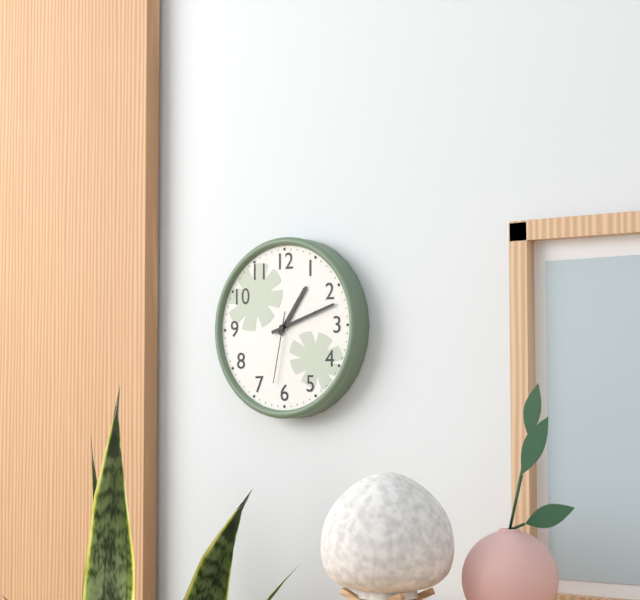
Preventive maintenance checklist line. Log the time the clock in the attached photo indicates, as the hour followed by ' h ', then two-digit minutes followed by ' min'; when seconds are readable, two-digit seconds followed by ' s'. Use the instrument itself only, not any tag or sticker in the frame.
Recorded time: 1 h 12 min 32 s
